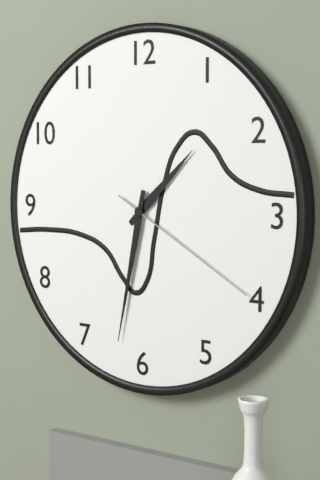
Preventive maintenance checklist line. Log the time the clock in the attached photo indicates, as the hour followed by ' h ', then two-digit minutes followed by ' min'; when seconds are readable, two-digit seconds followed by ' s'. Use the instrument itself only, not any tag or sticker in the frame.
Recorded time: 1 h 32 min 20 s
